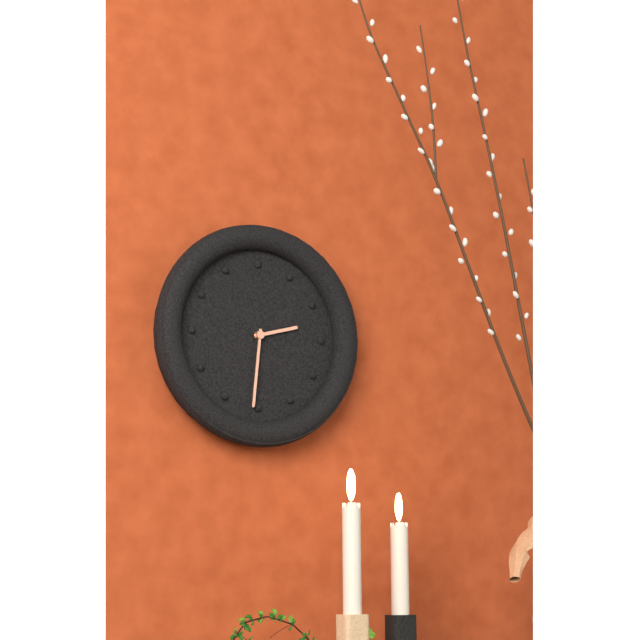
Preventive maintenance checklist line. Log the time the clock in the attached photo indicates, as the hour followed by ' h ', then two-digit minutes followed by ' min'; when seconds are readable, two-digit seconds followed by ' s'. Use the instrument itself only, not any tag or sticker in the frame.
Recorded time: 2 h 31 min
